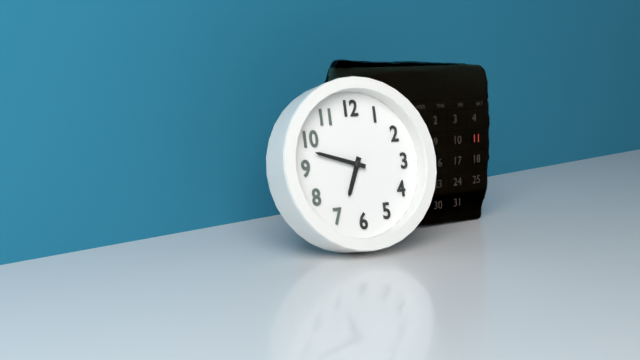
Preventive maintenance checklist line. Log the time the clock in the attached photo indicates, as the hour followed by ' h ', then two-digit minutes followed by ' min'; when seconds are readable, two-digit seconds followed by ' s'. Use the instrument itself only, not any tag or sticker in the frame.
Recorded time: 6 h 48 min
